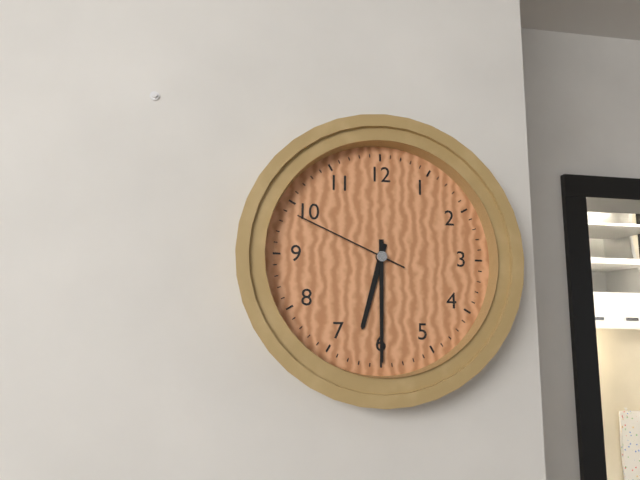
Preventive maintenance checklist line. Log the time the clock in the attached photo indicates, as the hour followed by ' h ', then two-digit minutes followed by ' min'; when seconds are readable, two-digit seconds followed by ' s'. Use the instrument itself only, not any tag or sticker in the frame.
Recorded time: 6 h 30 min 49 s
